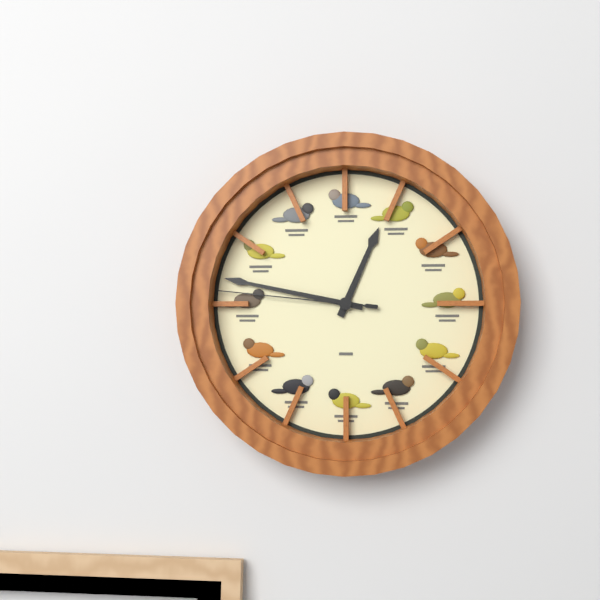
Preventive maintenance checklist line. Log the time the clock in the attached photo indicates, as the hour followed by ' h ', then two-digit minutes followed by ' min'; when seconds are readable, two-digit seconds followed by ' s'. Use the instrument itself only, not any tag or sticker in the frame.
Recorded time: 12 h 47 min 46 s
